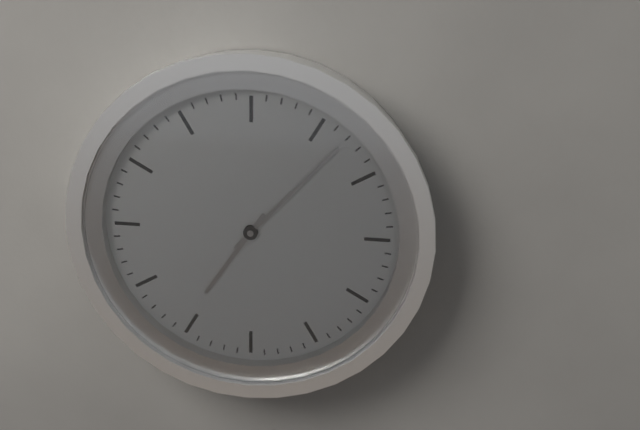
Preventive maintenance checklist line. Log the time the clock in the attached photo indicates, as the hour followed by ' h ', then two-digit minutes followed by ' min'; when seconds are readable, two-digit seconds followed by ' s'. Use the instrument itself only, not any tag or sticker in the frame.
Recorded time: 7 h 07 min
